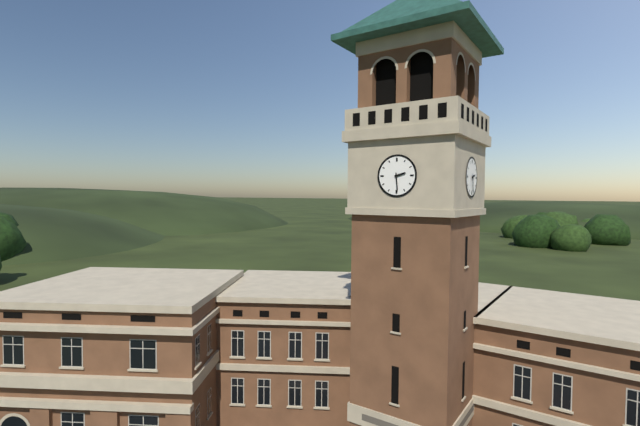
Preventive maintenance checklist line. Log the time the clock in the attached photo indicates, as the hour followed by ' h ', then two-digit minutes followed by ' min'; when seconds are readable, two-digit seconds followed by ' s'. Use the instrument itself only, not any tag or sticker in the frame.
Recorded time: 2 h 29 min
